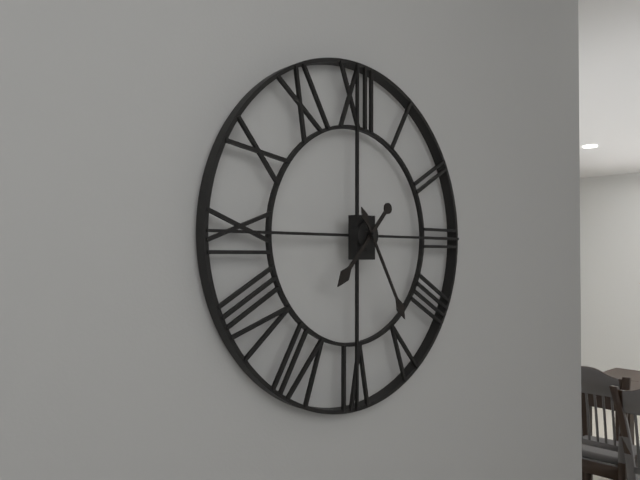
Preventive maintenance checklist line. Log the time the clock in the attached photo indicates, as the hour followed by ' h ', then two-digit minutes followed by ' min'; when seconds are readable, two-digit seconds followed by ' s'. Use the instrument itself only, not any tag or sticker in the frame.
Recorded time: 7 h 25 min
